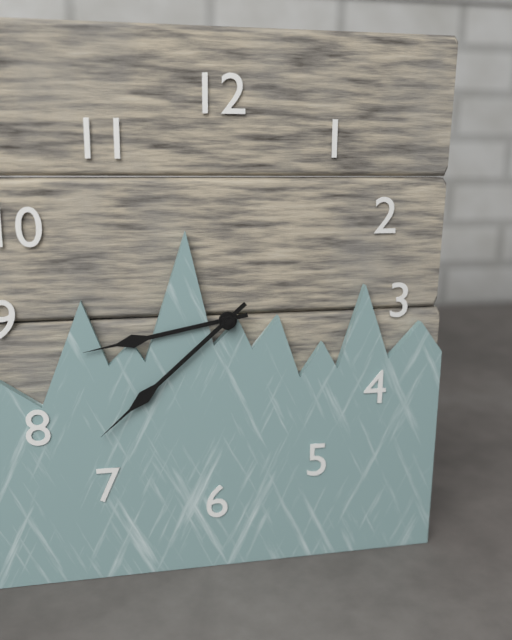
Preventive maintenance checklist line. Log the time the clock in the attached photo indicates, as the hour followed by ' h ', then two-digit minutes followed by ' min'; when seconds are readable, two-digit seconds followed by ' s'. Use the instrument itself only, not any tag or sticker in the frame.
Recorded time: 8 h 38 min
